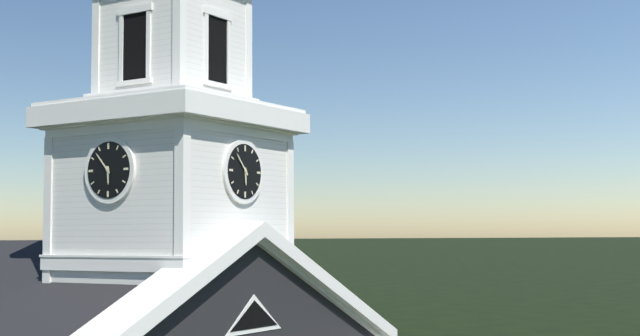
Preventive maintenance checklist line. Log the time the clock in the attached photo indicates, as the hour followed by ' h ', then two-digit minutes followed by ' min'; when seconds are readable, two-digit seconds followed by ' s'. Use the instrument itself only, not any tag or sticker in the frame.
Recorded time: 5 h 53 min
